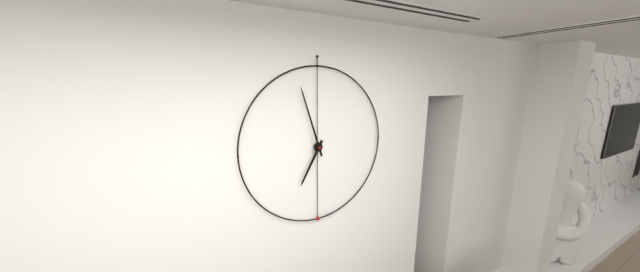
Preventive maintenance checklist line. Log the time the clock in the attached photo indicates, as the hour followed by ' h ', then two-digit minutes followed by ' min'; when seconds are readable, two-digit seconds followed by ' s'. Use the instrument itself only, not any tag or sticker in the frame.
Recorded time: 6 h 57 min
